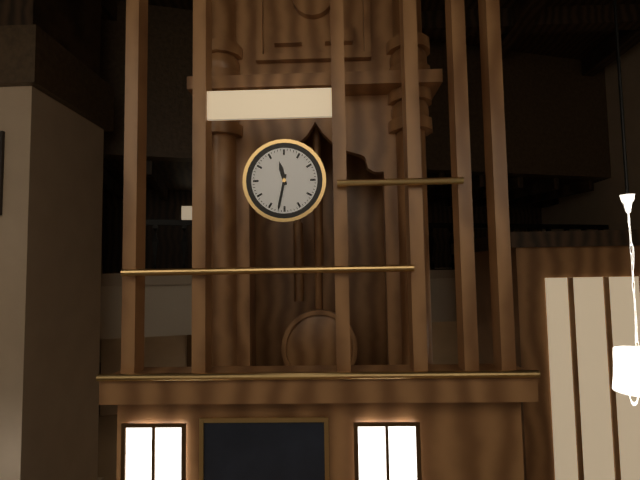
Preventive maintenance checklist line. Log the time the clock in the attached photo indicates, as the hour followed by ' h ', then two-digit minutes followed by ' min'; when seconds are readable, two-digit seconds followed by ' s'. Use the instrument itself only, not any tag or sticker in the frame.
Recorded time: 11 h 32 min
